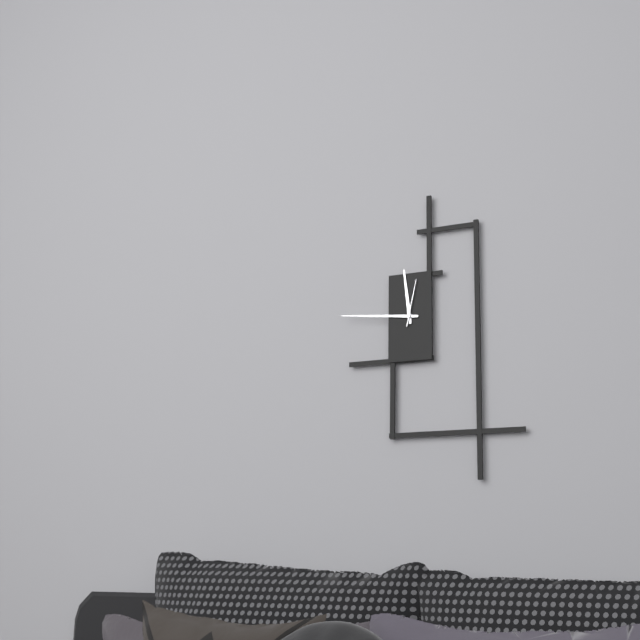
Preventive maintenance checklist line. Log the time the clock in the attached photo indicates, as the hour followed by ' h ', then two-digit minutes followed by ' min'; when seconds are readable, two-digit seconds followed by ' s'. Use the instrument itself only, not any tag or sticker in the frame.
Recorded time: 11 h 46 min
